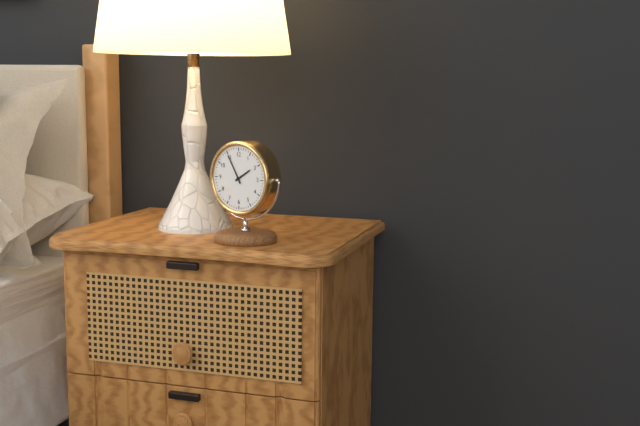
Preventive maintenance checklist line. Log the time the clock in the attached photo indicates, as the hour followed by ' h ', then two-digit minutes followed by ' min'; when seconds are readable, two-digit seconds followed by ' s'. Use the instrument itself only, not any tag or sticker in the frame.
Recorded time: 1 h 55 min
